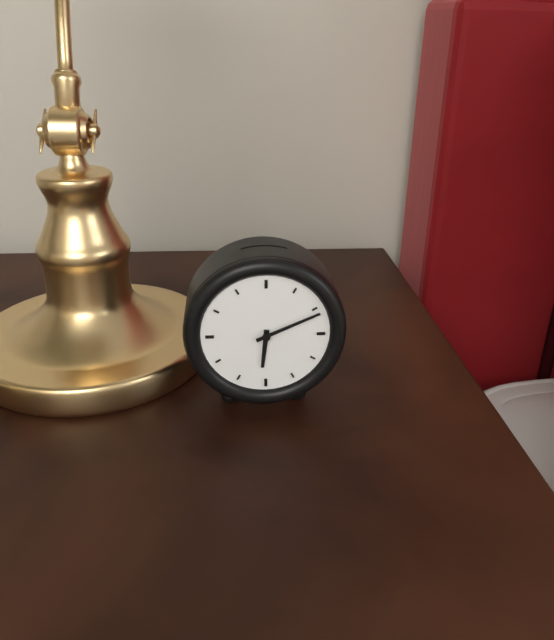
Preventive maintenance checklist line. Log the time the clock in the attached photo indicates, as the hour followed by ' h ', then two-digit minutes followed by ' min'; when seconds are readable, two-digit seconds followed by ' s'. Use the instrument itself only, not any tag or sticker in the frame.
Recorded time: 6 h 11 min
